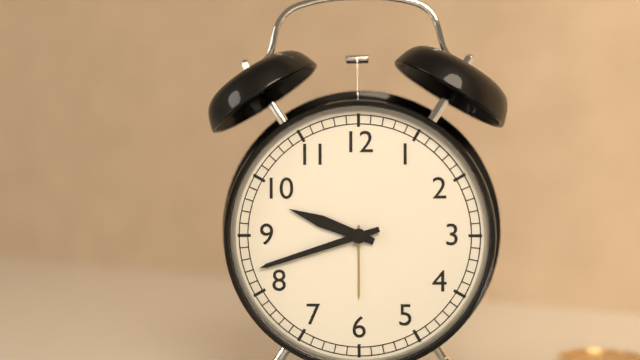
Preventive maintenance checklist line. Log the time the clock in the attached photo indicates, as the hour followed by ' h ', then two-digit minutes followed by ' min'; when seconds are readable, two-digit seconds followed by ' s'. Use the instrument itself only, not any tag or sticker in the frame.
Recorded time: 9 h 42 min
